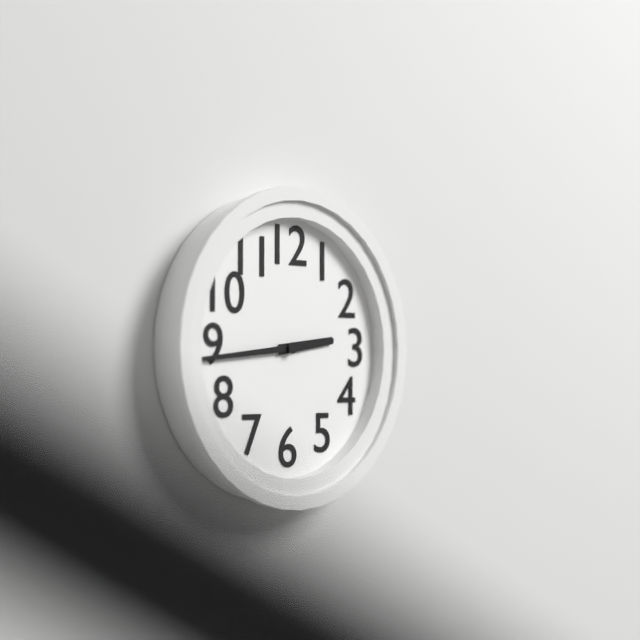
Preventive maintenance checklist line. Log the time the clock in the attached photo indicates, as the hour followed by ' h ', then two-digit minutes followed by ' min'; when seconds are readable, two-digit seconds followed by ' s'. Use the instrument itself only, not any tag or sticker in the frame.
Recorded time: 2 h 44 min
